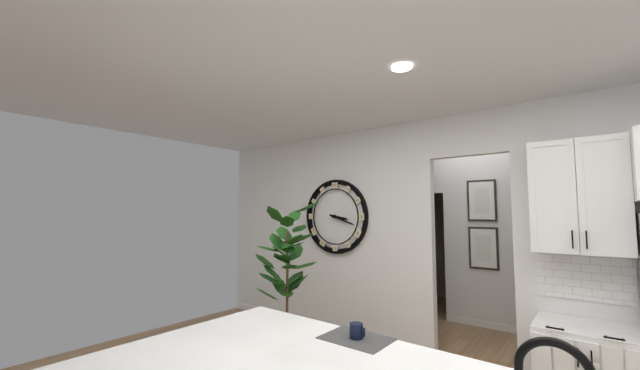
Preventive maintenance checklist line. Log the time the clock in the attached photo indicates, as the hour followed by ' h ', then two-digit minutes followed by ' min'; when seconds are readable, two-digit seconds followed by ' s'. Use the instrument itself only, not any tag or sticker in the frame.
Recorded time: 3 h 18 min
